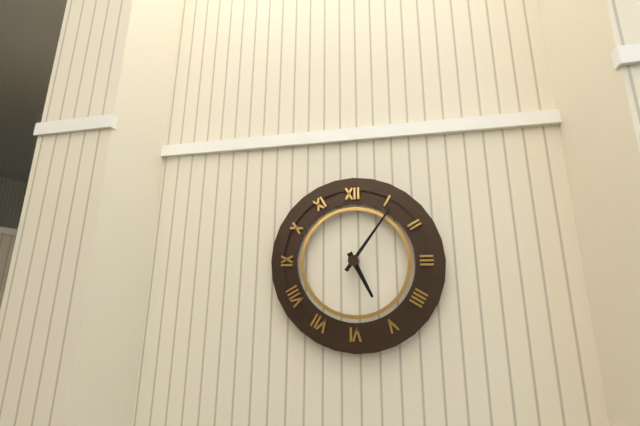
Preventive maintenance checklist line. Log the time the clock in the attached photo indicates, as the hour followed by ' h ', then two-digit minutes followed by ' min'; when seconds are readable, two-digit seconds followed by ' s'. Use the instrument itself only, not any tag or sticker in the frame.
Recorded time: 5 h 06 min
